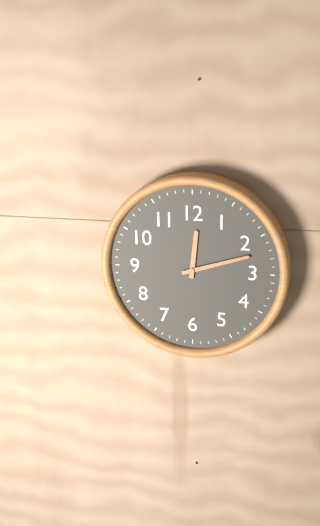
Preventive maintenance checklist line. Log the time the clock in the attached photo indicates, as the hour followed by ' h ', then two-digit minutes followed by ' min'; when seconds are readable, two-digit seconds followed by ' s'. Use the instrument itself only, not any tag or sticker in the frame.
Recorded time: 12 h 12 min
